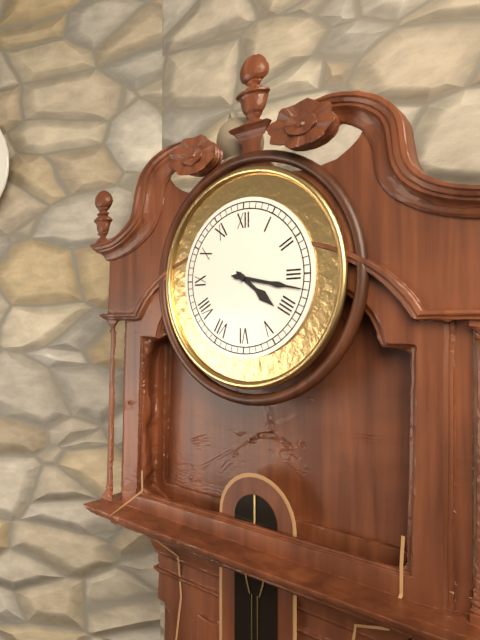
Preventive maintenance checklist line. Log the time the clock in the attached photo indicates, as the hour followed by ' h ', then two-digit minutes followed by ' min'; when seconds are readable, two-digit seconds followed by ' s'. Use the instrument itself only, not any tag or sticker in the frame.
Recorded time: 4 h 17 min
